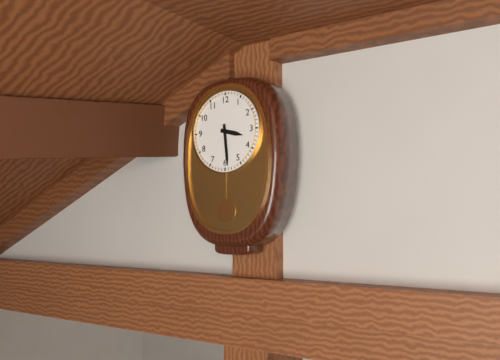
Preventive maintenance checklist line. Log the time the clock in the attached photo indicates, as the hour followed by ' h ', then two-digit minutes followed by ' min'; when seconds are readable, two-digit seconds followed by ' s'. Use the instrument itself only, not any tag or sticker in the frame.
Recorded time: 3 h 29 min
